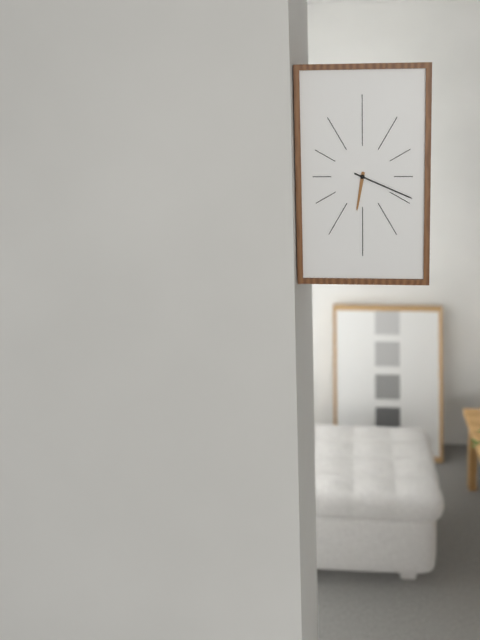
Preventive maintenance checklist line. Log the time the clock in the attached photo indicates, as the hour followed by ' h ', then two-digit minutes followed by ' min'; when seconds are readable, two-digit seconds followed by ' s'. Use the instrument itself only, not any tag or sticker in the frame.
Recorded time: 6 h 19 min
